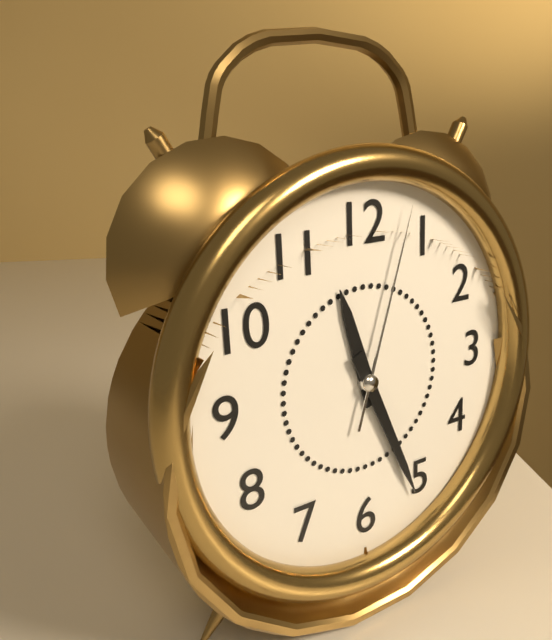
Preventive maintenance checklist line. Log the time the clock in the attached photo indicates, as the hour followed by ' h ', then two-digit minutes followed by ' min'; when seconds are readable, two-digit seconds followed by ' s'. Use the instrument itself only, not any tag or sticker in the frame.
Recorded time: 11 h 26 min 03 s
